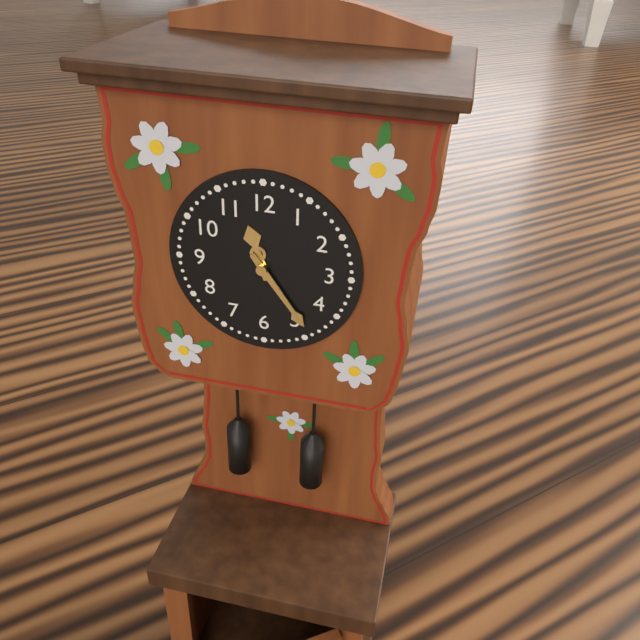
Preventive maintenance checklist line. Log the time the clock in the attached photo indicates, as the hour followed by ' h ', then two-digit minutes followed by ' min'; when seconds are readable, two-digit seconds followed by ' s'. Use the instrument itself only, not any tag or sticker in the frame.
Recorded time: 11 h 24 min
